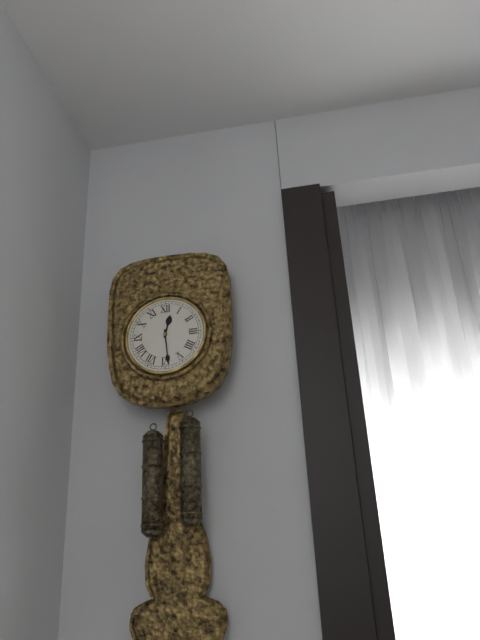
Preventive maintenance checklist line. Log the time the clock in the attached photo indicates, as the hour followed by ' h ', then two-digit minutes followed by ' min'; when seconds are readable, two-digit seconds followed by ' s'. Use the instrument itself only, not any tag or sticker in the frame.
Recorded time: 12 h 29 min
